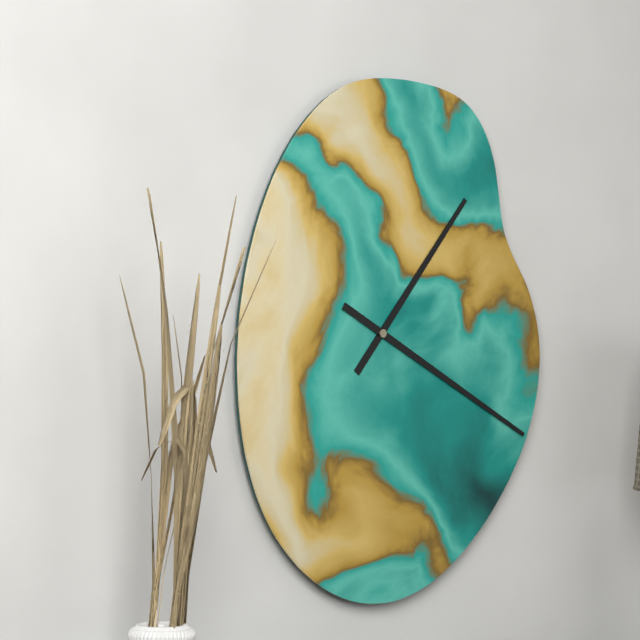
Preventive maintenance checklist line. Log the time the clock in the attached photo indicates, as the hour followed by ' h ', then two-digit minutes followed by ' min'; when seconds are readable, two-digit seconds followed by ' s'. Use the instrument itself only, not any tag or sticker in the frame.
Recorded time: 1 h 20 min
